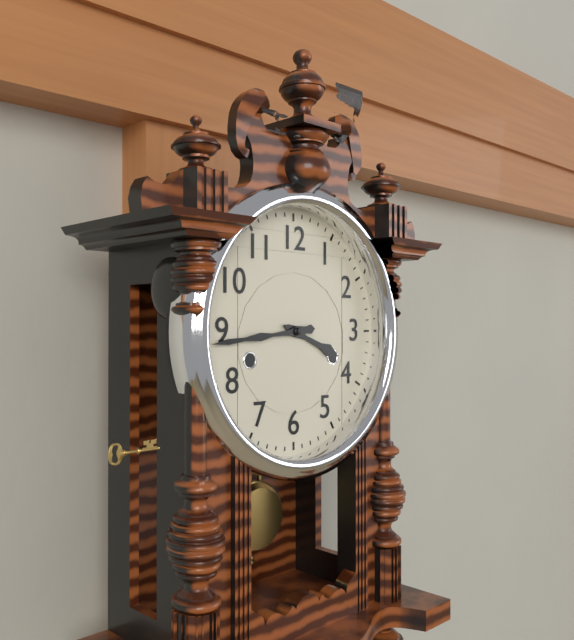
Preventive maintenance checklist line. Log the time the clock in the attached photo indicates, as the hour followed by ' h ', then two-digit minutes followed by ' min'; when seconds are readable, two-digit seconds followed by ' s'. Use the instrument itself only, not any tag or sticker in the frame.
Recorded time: 3 h 44 min
